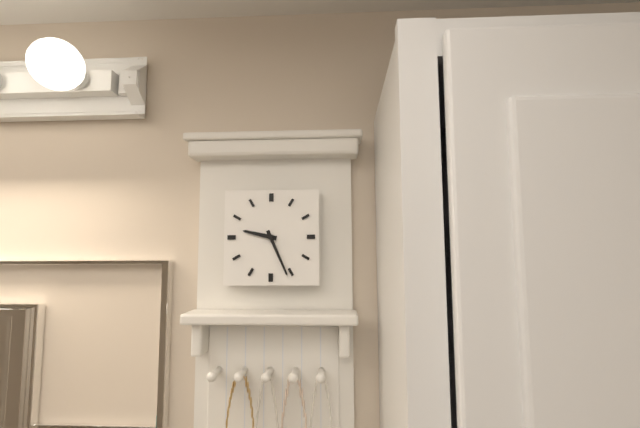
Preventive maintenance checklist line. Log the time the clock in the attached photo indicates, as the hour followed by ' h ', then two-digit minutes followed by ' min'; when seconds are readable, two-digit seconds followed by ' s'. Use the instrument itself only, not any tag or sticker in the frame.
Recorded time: 9 h 26 min
